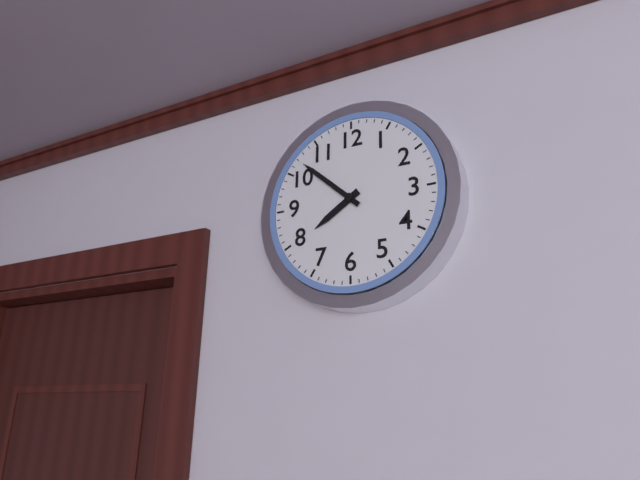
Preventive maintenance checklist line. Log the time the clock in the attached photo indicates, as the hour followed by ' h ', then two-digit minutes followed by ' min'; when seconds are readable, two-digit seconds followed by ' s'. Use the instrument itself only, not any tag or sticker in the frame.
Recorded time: 7 h 52 min
